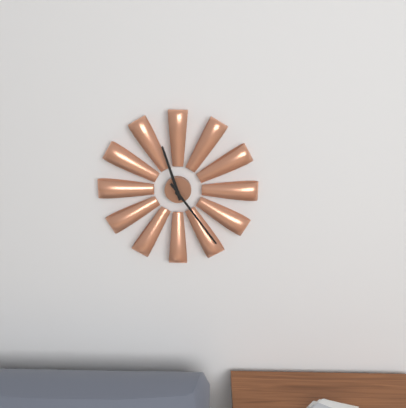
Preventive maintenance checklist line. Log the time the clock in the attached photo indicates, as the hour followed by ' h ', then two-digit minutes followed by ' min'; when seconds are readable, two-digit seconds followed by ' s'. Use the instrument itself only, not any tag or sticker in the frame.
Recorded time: 11 h 24 min
